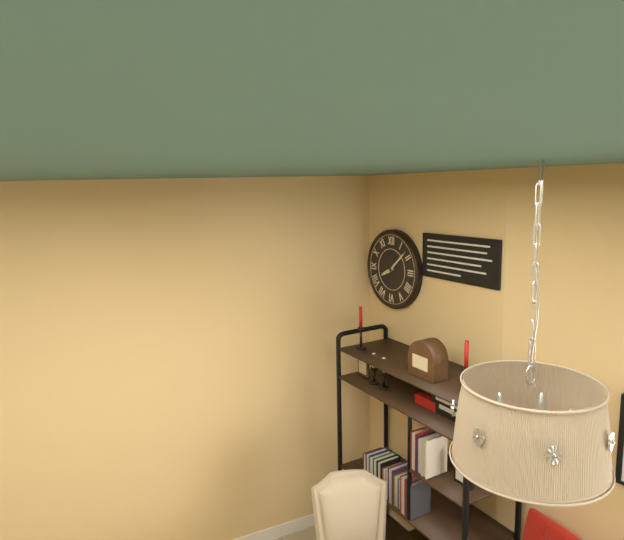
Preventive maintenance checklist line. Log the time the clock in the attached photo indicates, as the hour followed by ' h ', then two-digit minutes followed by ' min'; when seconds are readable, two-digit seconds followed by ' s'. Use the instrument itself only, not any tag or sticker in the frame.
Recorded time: 8 h 08 min
